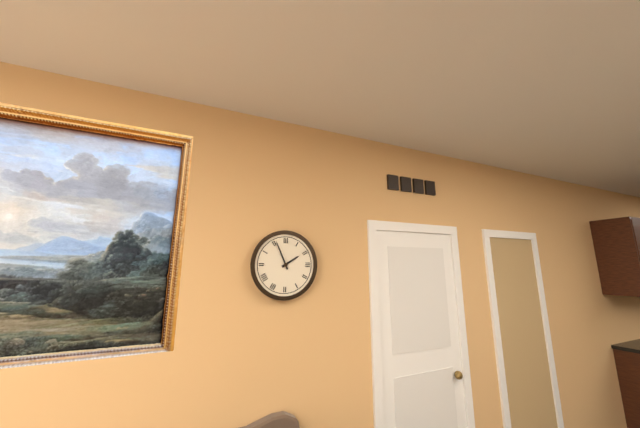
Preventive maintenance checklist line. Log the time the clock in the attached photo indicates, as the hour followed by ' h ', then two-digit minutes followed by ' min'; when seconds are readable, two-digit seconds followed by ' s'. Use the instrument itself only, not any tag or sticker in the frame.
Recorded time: 1 h 56 min
